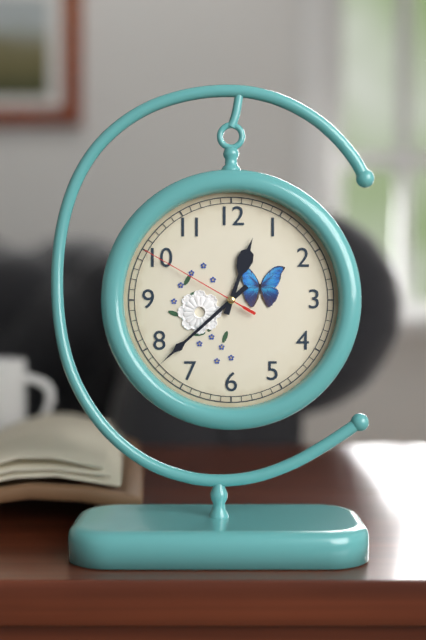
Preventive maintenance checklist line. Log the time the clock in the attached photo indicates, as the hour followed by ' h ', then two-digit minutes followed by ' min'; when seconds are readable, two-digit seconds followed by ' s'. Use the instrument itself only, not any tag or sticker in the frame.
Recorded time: 12 h 38 min 50 s
